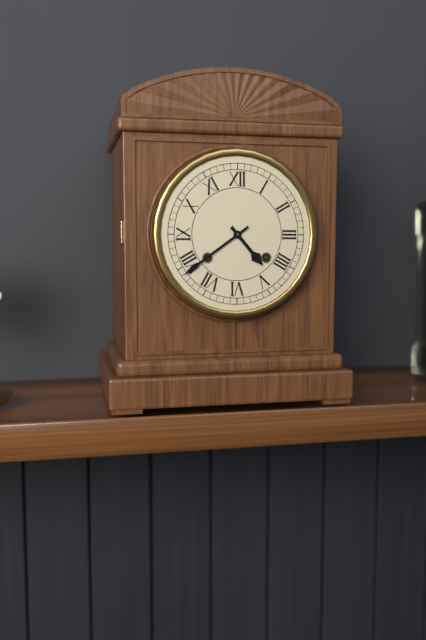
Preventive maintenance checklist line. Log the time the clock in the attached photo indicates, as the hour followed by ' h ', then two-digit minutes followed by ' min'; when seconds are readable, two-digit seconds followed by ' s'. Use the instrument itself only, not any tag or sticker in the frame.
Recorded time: 4 h 39 min
